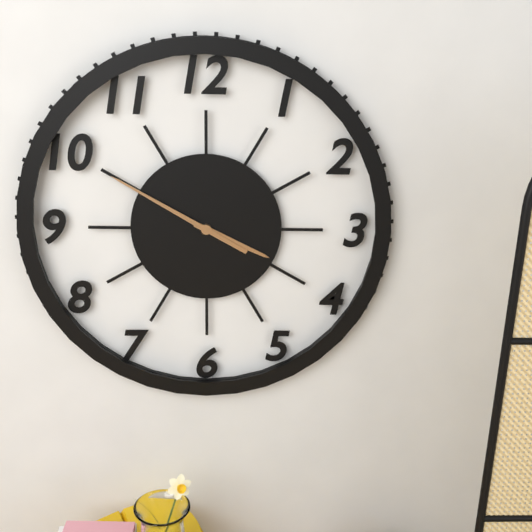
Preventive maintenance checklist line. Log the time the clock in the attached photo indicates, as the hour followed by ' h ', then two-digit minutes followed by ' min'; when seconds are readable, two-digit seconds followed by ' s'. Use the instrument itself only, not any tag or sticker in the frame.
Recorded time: 3 h 50 min
